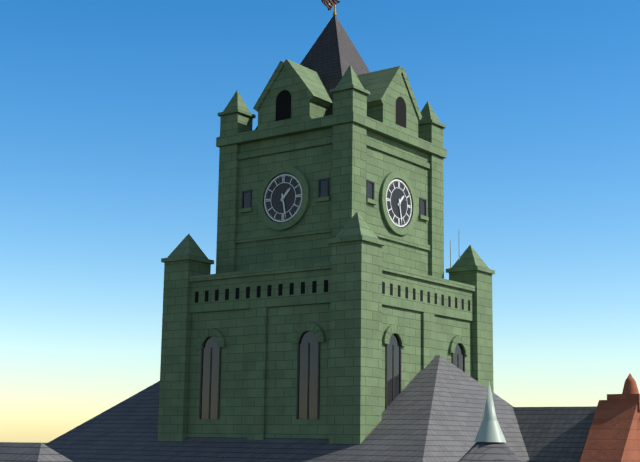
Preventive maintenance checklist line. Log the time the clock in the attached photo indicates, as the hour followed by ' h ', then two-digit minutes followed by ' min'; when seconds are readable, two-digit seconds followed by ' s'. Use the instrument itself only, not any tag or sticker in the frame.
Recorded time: 1 h 28 min
